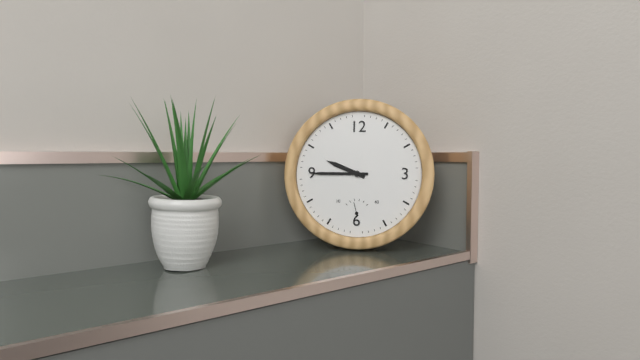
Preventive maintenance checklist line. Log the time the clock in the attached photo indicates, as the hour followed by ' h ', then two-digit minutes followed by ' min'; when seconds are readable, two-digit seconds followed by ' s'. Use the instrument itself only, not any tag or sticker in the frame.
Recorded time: 9 h 45 min
